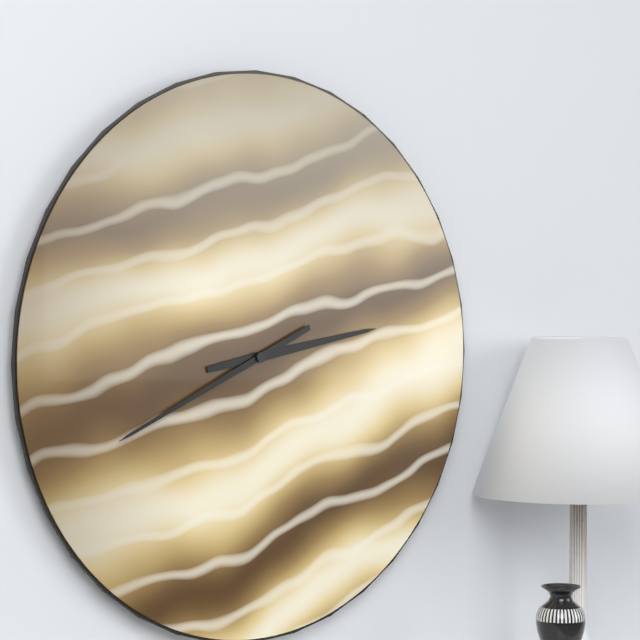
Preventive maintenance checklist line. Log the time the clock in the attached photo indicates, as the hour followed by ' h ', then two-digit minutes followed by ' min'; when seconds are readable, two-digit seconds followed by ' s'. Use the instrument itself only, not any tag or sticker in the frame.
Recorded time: 2 h 41 min
